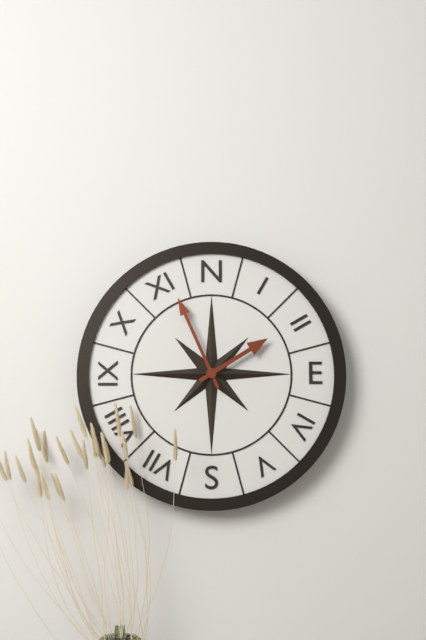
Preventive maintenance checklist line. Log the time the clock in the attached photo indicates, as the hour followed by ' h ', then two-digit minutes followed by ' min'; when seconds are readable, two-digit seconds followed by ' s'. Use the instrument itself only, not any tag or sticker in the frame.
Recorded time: 1 h 56 min
